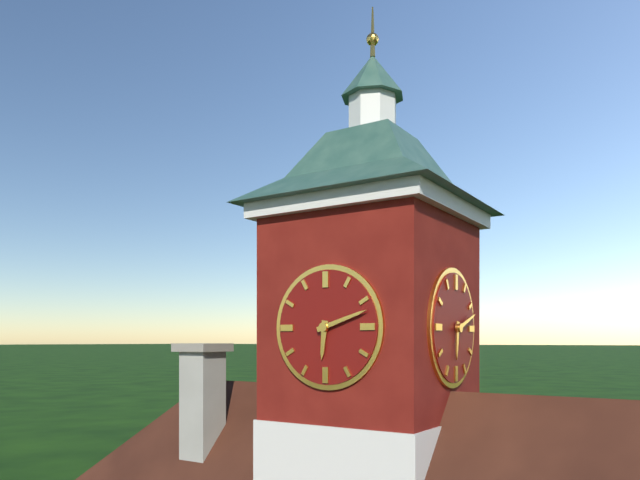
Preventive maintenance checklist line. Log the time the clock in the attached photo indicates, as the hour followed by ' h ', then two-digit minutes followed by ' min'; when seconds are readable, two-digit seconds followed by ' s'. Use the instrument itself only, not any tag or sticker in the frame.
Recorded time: 6 h 12 min
